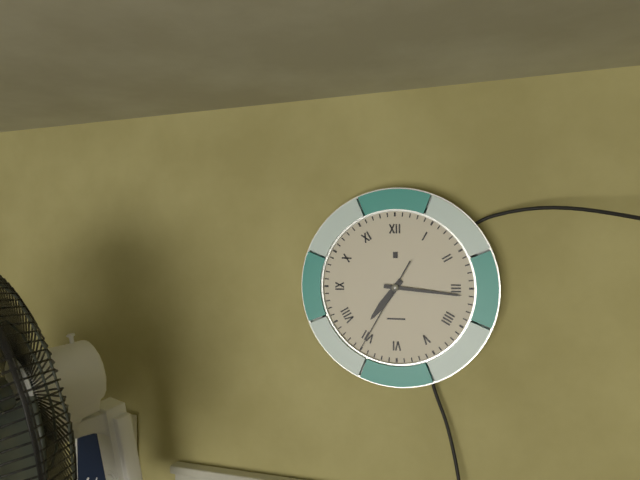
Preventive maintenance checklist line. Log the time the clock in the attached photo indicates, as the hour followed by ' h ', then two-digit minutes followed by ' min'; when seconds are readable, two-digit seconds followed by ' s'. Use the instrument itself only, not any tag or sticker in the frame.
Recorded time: 7 h 16 min 35 s
